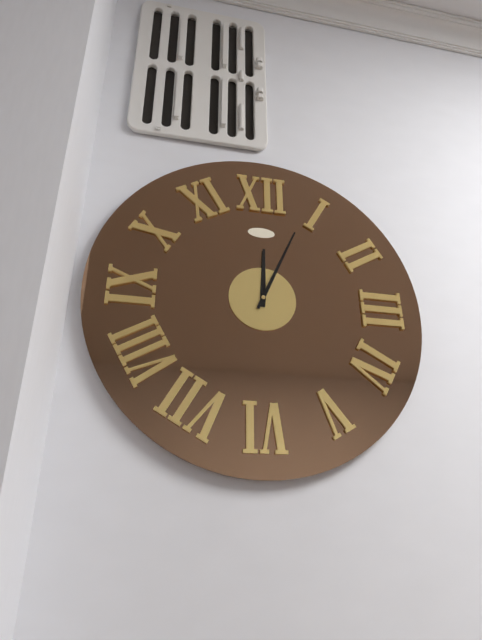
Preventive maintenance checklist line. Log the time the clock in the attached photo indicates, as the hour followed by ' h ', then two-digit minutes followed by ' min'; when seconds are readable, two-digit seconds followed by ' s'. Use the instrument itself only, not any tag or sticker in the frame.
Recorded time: 12 h 04 min
